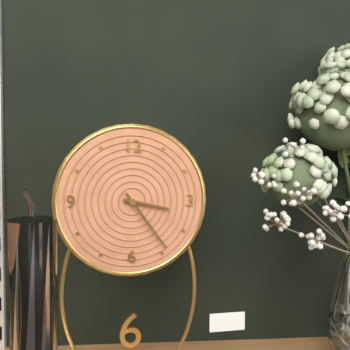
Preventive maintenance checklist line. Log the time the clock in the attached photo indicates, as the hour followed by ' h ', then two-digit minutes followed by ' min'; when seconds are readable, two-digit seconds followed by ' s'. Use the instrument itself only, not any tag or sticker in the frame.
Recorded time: 3 h 24 min
